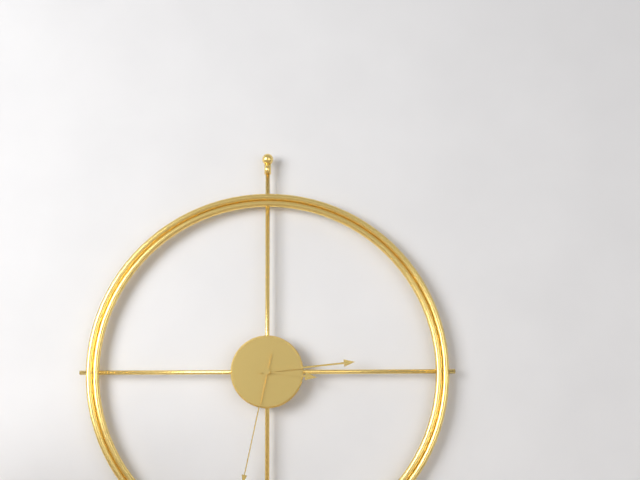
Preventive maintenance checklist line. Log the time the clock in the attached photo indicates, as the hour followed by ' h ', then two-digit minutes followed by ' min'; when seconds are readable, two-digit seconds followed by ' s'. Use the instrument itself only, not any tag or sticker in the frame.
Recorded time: 3 h 14 min
